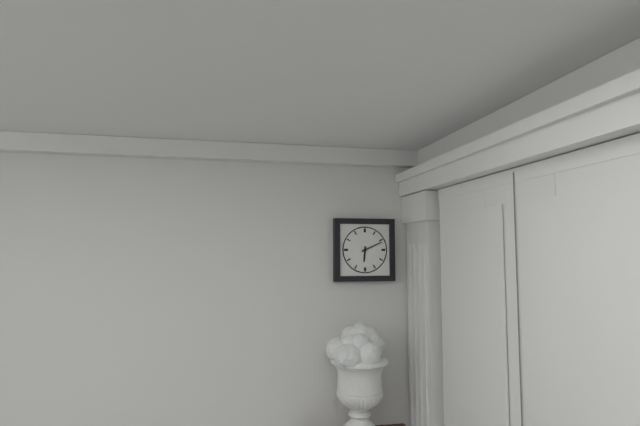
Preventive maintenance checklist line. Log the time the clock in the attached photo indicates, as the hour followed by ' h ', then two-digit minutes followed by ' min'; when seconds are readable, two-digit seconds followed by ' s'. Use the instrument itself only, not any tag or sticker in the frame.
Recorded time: 6 h 11 min
